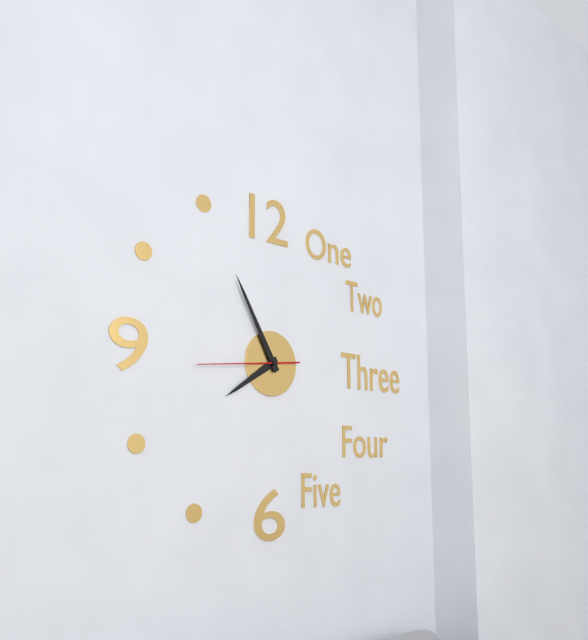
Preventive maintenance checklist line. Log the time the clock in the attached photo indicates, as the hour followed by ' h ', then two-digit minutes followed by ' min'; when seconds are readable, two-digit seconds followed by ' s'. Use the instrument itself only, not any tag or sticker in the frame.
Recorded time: 7 h 55 min 44 s
